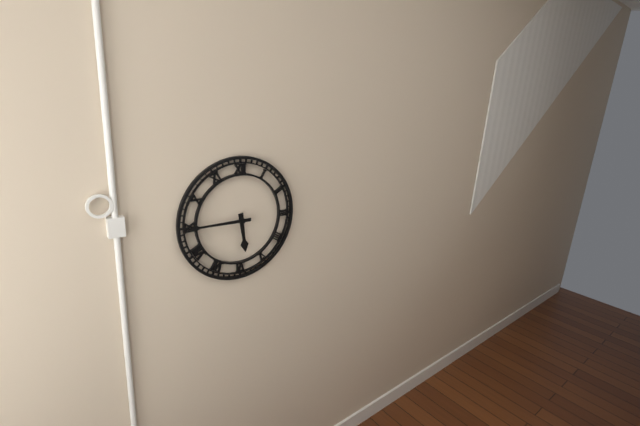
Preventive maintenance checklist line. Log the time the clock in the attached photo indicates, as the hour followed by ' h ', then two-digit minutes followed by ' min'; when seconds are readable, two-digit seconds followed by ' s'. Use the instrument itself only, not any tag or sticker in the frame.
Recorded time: 5 h 45 min
